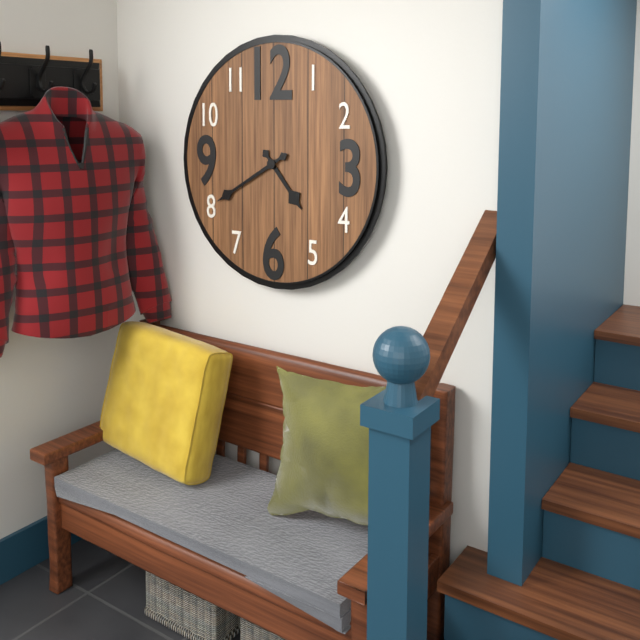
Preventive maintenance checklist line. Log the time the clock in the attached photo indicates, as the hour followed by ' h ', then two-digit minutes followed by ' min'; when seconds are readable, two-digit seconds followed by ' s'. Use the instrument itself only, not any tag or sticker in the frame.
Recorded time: 4 h 40 min
